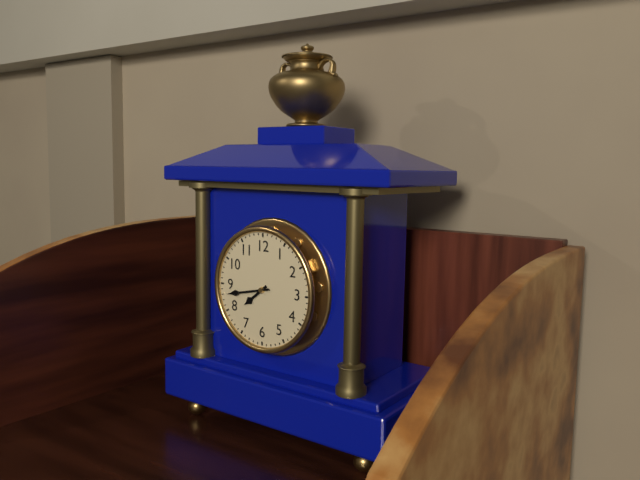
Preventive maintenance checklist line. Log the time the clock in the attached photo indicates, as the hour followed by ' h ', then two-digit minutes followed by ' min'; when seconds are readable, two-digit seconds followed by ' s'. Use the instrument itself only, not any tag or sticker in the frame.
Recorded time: 7 h 43 min
